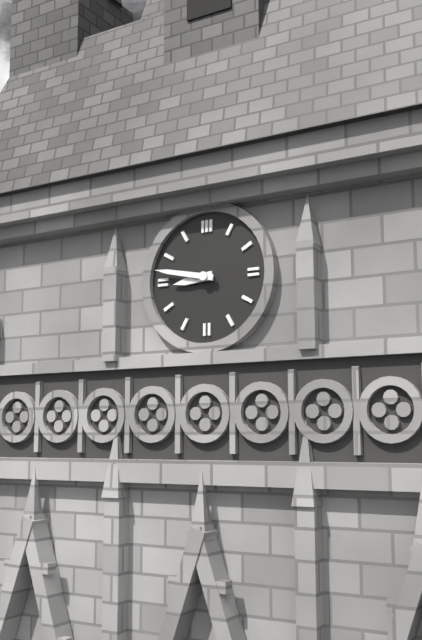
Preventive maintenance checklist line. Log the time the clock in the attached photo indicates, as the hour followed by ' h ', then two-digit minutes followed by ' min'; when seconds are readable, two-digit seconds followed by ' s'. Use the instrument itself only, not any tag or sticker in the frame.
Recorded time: 8 h 47 min
